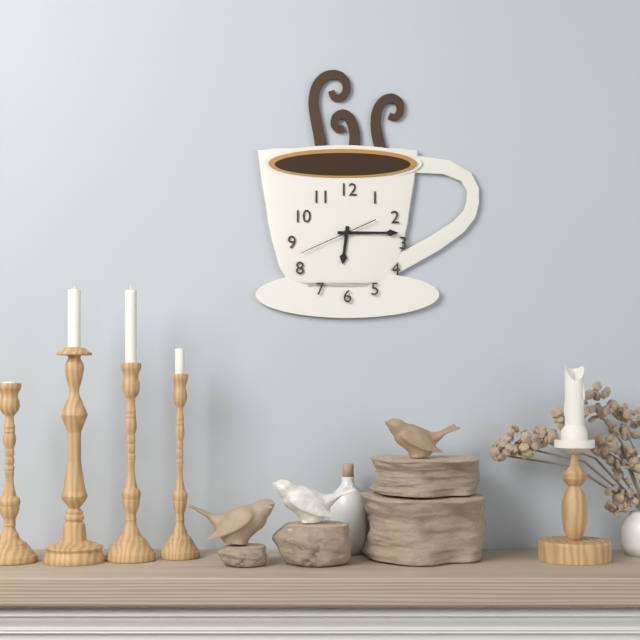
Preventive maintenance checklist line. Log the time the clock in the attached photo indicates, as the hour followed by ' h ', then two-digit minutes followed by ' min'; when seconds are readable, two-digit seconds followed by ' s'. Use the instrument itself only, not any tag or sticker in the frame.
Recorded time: 6 h 15 min 41 s
